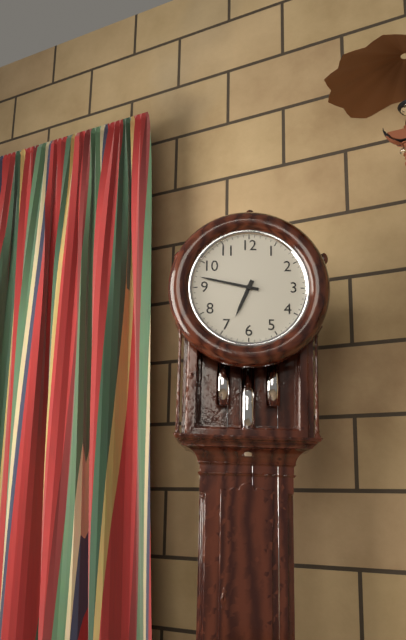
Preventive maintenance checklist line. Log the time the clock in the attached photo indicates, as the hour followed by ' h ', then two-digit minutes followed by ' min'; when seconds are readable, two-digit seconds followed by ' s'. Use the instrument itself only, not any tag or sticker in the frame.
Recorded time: 6 h 47 min
